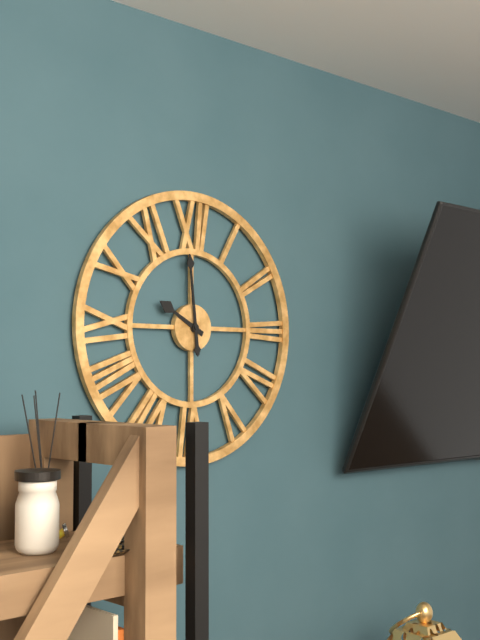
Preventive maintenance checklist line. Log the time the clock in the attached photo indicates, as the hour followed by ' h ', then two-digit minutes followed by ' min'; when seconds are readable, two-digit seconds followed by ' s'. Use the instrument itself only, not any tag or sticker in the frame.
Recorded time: 9 h 59 min
